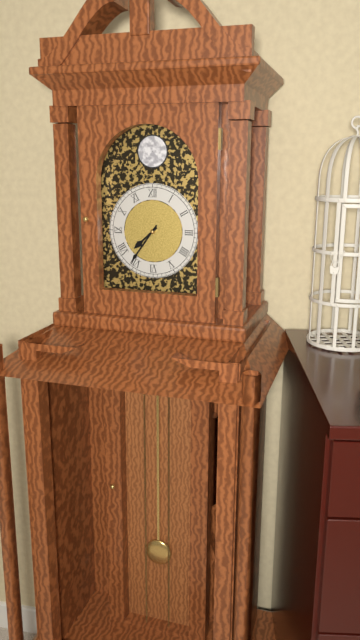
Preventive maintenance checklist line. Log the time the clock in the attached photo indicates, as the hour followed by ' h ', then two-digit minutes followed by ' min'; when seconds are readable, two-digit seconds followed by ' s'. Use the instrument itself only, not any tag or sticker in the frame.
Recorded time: 7 h 36 min
